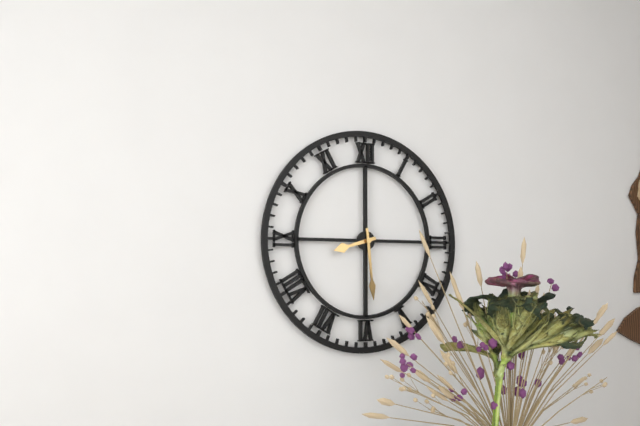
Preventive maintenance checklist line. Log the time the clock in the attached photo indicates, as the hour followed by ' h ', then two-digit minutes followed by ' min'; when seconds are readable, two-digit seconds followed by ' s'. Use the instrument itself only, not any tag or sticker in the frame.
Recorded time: 8 h 29 min
